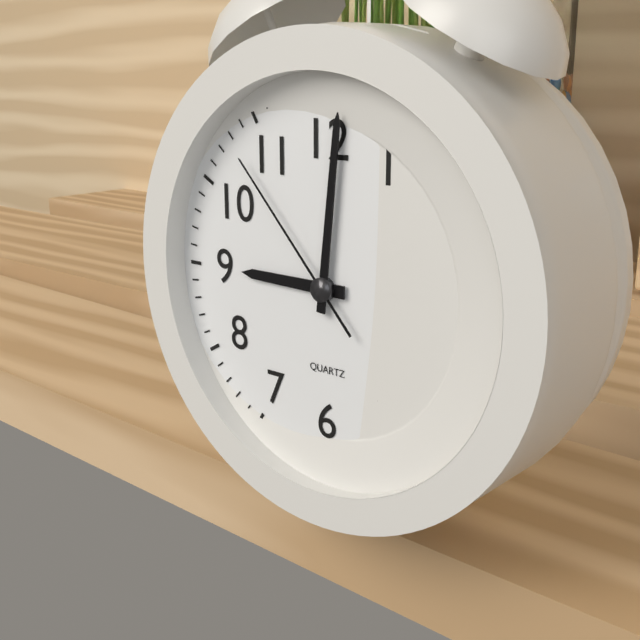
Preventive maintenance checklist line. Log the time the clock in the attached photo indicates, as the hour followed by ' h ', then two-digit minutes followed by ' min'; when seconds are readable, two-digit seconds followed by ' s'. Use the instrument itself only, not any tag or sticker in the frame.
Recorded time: 9 h 01 min 53 s
